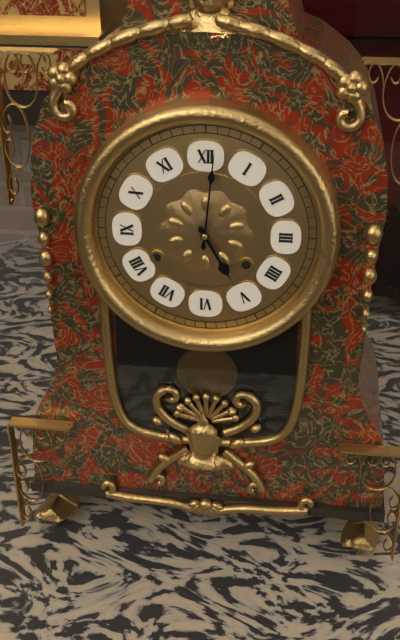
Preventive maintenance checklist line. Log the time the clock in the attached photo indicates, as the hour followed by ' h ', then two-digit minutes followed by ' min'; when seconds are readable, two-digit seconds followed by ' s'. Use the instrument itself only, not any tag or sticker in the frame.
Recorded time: 5 h 01 min
